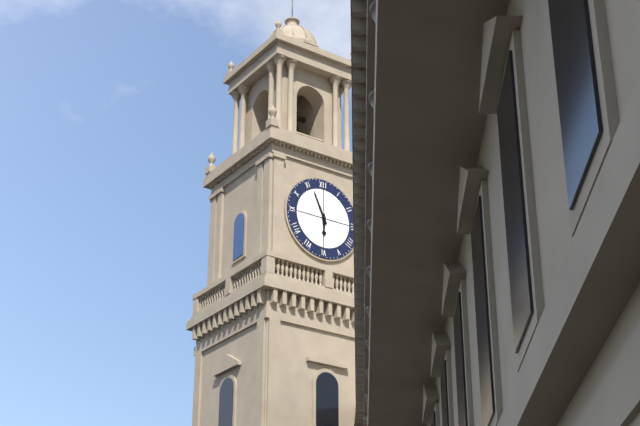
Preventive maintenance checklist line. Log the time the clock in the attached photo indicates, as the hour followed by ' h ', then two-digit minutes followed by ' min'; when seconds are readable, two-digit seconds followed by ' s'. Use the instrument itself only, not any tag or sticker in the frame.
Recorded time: 5 h 56 min
